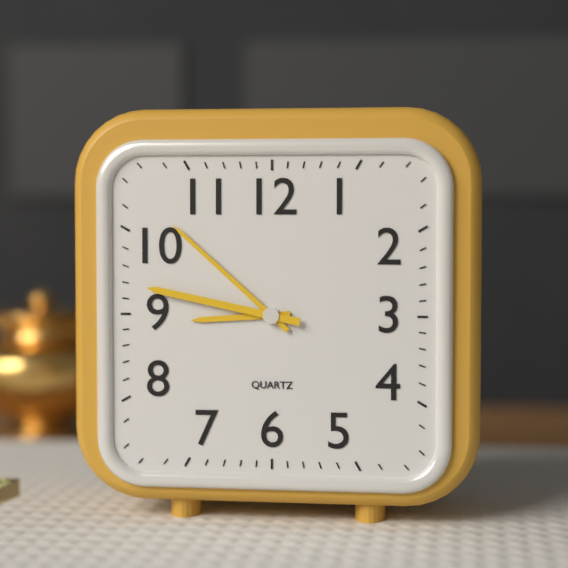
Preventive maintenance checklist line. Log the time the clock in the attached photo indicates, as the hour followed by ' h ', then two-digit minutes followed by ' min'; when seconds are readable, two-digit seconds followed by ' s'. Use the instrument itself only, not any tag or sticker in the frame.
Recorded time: 8 h 52 min 47 s
